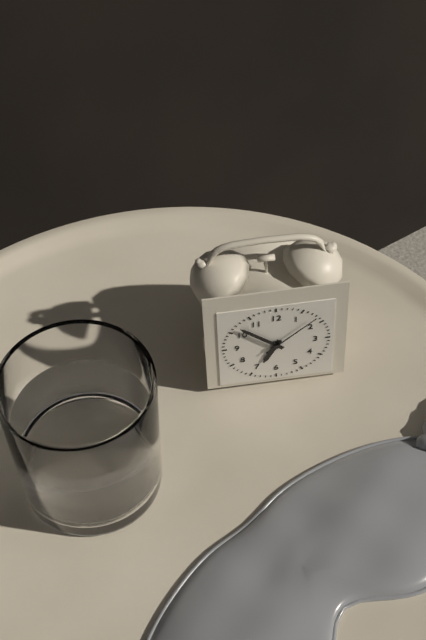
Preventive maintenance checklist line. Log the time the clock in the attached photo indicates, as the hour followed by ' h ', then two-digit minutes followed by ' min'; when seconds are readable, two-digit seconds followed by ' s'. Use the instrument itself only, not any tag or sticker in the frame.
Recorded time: 6 h 52 min 08 s
